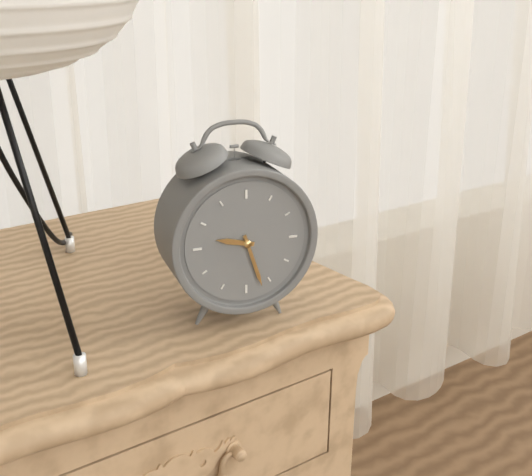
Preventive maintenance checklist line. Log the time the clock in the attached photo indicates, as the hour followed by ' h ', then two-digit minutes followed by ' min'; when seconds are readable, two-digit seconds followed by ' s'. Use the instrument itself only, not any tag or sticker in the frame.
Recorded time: 9 h 27 min
